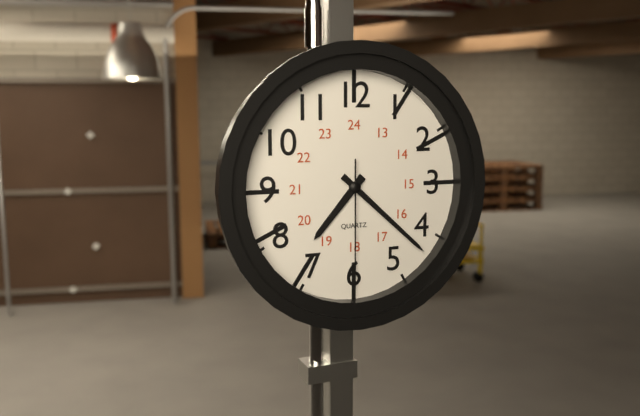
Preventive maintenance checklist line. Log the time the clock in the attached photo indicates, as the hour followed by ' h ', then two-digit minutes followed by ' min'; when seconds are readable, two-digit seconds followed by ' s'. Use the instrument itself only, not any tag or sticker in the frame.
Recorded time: 7 h 22 min 30 s
